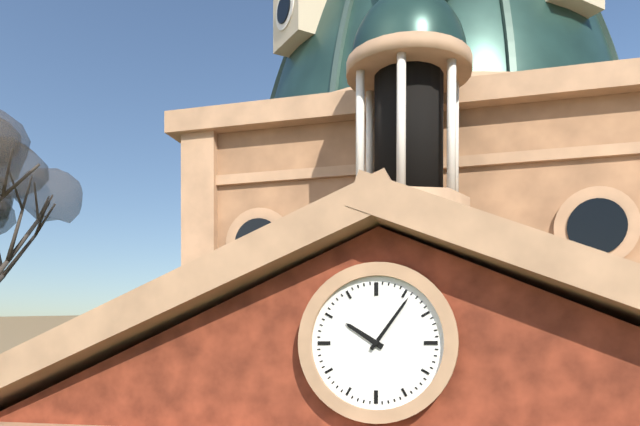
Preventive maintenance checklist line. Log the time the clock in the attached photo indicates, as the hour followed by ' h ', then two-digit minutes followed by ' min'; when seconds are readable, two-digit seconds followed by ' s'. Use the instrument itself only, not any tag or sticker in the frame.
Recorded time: 10 h 06 min
